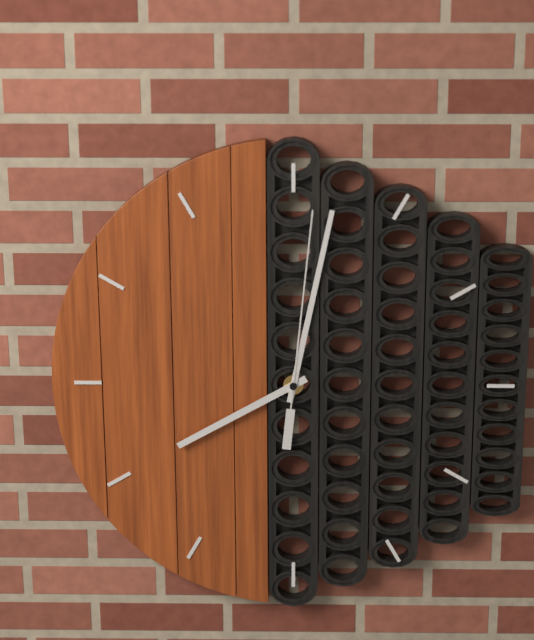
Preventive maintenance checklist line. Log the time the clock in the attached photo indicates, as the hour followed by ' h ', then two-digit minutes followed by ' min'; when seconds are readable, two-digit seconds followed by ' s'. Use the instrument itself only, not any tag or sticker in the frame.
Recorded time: 8 h 02 min 01 s
